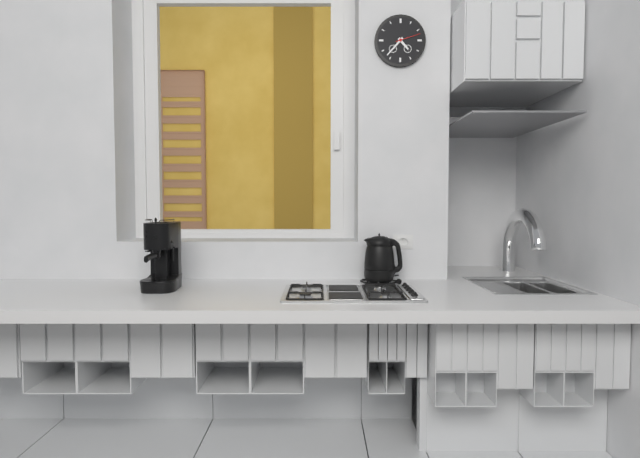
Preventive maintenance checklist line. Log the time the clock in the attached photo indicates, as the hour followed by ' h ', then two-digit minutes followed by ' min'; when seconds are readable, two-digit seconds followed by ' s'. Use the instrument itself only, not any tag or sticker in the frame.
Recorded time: 4 h 37 min
